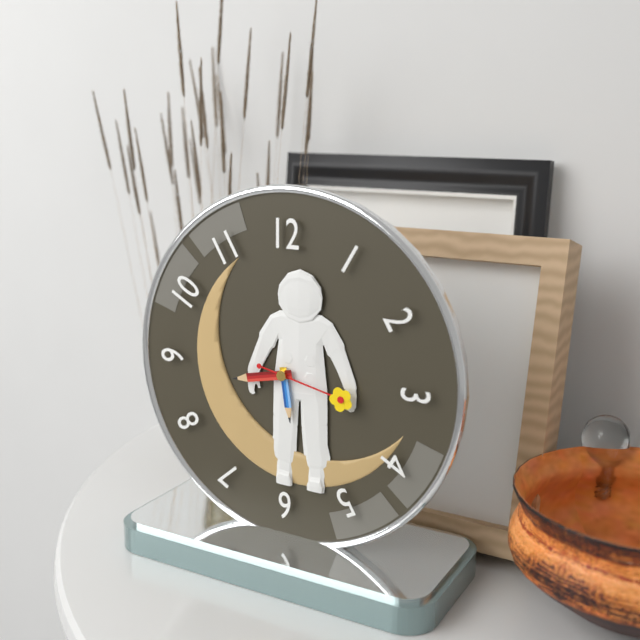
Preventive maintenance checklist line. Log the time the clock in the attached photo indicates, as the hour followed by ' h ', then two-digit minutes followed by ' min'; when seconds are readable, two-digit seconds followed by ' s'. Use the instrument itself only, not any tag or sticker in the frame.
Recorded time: 5 h 43 min 17 s
